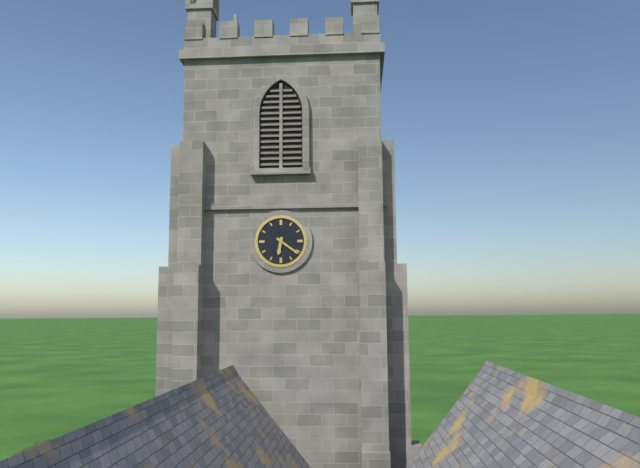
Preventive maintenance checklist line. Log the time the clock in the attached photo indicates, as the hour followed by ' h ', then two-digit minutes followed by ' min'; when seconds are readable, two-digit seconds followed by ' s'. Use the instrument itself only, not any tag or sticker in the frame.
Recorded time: 6 h 21 min
